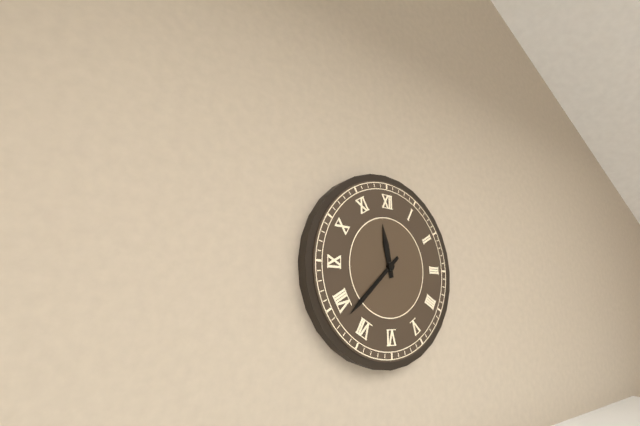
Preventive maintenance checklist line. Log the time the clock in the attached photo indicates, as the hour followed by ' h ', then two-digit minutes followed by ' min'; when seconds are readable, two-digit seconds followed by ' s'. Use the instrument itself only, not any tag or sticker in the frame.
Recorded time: 11 h 38 min
